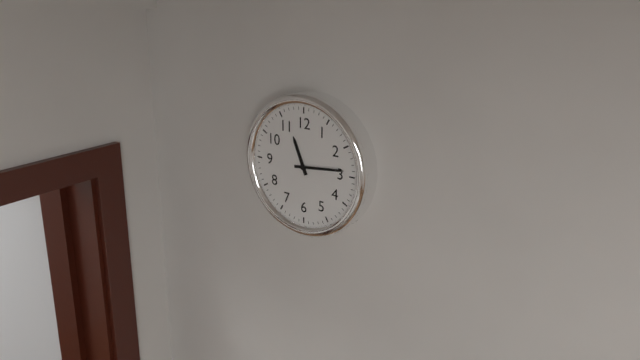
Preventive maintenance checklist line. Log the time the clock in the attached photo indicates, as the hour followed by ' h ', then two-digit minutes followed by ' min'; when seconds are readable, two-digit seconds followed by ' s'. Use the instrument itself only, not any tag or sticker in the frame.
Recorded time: 11 h 14 min
